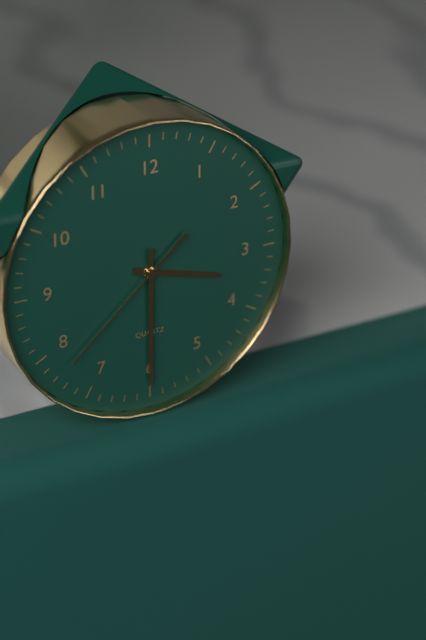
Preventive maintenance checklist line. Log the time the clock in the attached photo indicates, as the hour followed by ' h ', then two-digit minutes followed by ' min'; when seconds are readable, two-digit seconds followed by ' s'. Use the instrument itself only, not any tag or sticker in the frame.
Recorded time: 3 h 30 min 38 s
